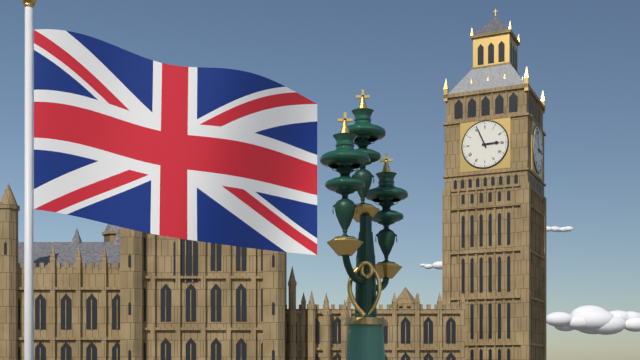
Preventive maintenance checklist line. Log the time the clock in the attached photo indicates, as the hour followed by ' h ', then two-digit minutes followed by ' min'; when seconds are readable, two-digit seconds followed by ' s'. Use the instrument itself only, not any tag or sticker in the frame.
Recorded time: 2 h 56 min
